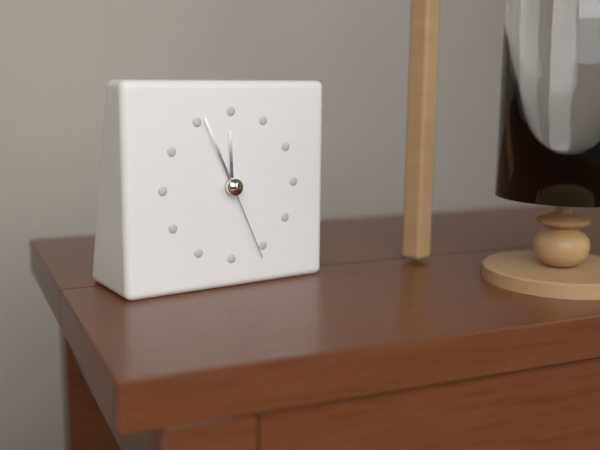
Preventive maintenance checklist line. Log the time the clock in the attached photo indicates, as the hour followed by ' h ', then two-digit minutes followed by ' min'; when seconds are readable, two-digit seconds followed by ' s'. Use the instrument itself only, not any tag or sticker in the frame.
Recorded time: 11 h 56 min 26 s
